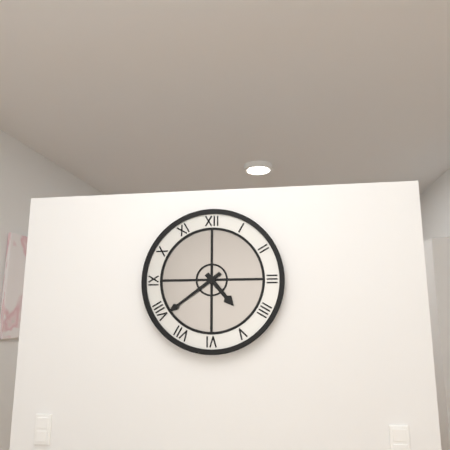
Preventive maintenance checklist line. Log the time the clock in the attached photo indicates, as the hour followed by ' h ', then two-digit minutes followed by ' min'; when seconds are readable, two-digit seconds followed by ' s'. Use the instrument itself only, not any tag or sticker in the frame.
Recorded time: 4 h 39 min
